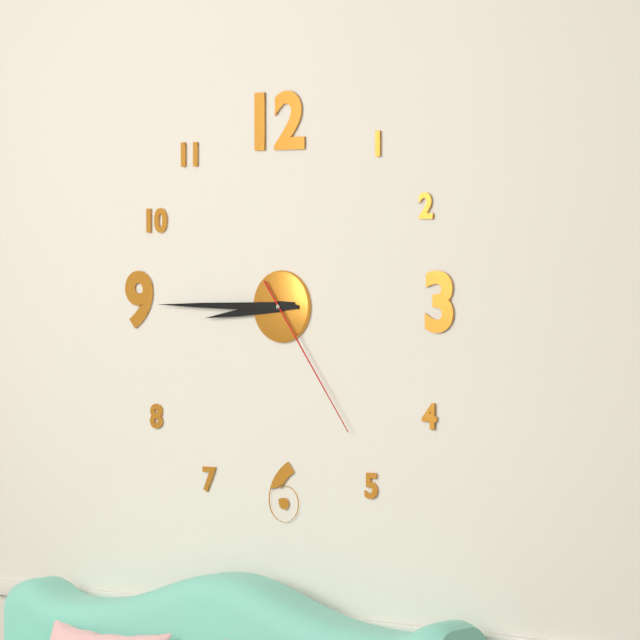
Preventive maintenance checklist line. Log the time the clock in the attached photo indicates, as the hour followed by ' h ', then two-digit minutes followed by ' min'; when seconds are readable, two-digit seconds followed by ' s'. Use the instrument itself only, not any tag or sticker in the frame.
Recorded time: 8 h 45 min 24 s
